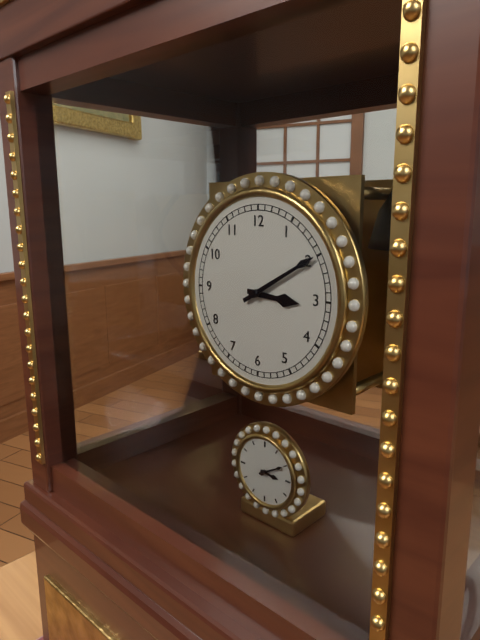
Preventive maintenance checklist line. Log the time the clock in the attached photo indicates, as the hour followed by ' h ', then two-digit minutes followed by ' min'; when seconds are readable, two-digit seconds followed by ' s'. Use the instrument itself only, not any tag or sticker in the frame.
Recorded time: 3 h 10 min
